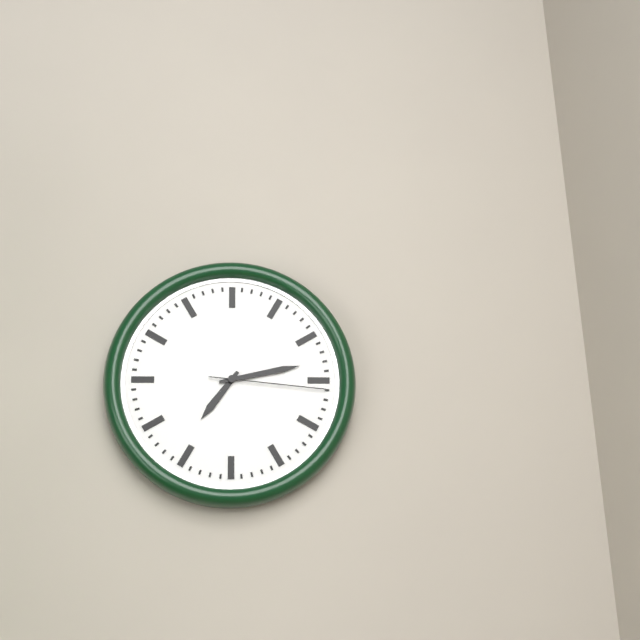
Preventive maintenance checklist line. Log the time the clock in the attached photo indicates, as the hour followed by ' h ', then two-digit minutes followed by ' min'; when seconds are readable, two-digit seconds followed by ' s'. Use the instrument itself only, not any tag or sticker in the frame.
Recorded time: 7 h 13 min 16 s
